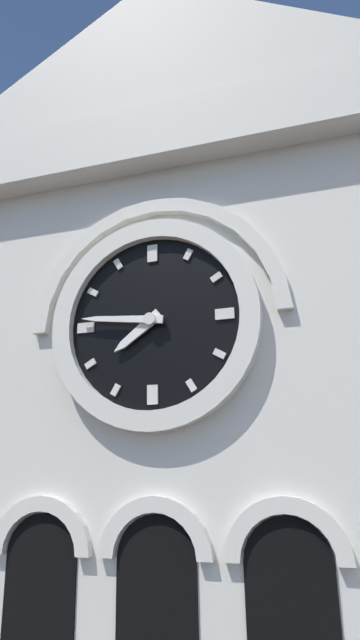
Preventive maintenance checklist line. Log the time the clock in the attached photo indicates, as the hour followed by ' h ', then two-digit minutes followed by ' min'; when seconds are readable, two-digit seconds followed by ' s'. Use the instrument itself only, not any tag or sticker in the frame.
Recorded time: 7 h 46 min
